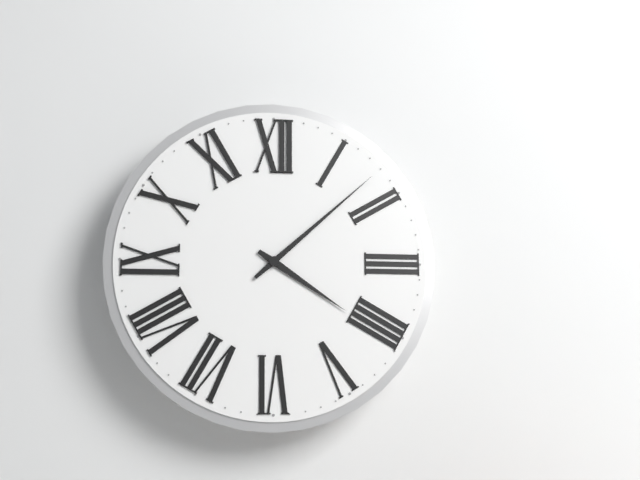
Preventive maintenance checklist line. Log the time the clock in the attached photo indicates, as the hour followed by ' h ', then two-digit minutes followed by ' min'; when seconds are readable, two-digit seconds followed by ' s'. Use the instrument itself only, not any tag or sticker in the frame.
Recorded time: 4 h 08 min
